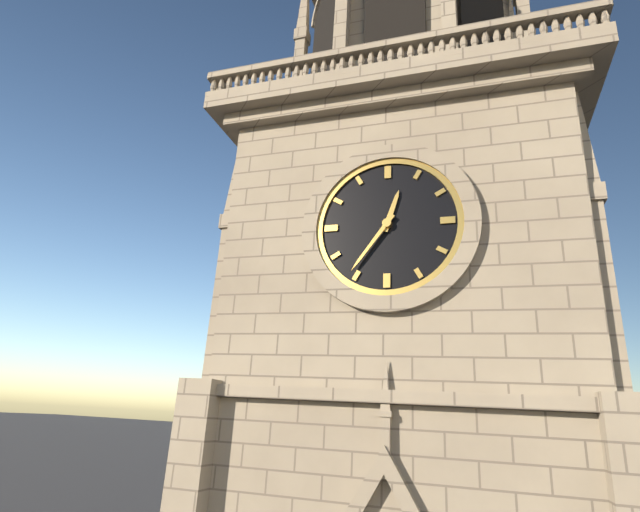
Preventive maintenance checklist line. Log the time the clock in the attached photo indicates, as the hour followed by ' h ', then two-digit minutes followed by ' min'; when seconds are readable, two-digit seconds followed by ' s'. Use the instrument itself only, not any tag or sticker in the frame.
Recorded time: 12 h 36 min
